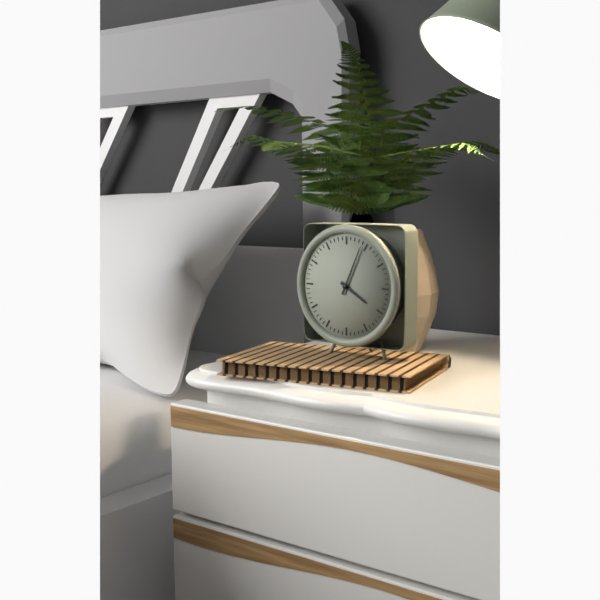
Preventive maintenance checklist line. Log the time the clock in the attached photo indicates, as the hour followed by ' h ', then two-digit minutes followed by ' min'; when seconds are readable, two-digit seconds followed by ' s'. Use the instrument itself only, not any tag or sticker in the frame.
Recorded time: 4 h 04 min
